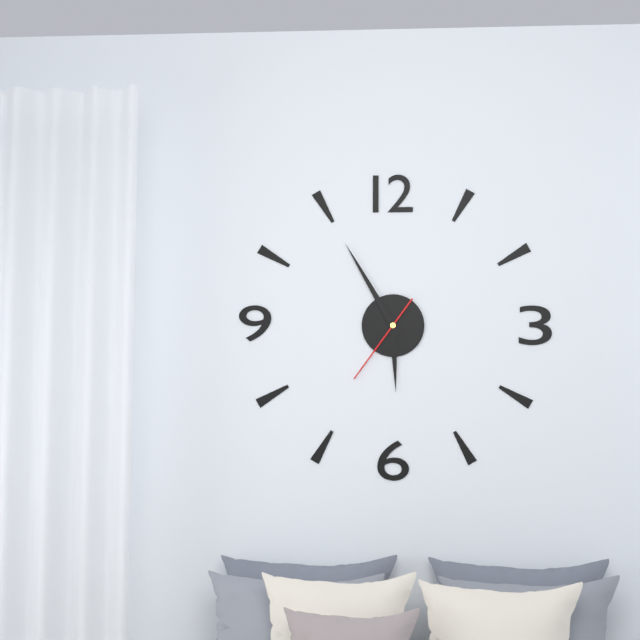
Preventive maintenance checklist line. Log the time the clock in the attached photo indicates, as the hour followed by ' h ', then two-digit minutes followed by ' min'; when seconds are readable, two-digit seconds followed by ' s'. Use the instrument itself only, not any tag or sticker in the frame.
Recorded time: 5 h 55 min 36 s
